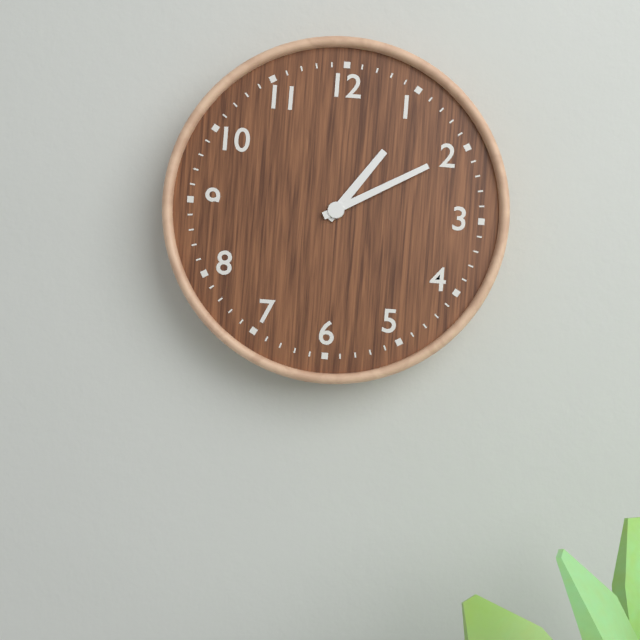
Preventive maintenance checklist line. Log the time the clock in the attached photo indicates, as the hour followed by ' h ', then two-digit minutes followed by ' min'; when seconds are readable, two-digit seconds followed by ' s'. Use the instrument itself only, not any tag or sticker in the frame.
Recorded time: 1 h 10 min
